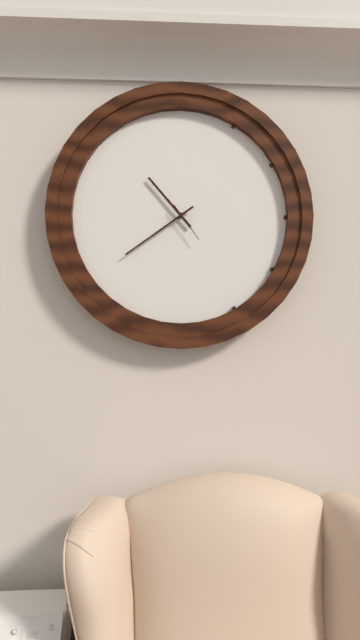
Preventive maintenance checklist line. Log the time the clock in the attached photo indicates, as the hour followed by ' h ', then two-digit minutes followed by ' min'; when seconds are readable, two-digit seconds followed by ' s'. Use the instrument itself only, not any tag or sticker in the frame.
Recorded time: 10 h 39 min
